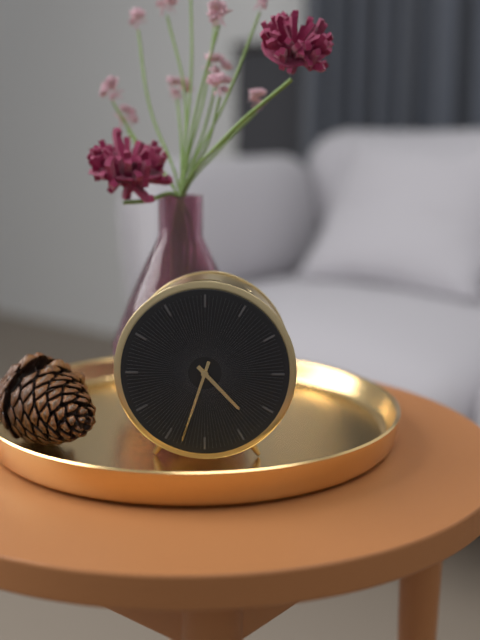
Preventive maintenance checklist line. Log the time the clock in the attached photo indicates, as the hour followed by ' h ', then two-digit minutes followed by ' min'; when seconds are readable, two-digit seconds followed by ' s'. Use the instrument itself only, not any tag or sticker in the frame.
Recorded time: 4 h 33 min
